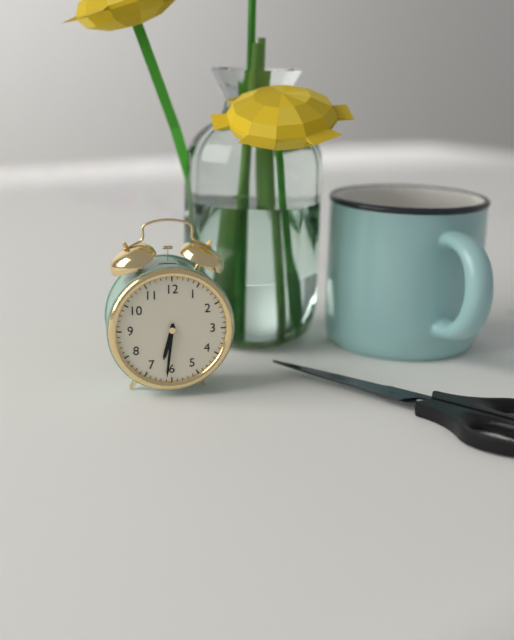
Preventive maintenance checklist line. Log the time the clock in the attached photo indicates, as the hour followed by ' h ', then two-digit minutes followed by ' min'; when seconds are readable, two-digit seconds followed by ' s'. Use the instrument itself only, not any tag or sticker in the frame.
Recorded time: 6 h 31 min
